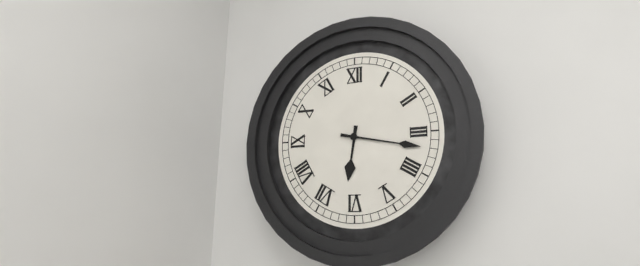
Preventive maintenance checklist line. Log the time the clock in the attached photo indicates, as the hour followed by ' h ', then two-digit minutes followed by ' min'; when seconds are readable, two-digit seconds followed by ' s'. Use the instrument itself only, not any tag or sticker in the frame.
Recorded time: 6 h 17 min
